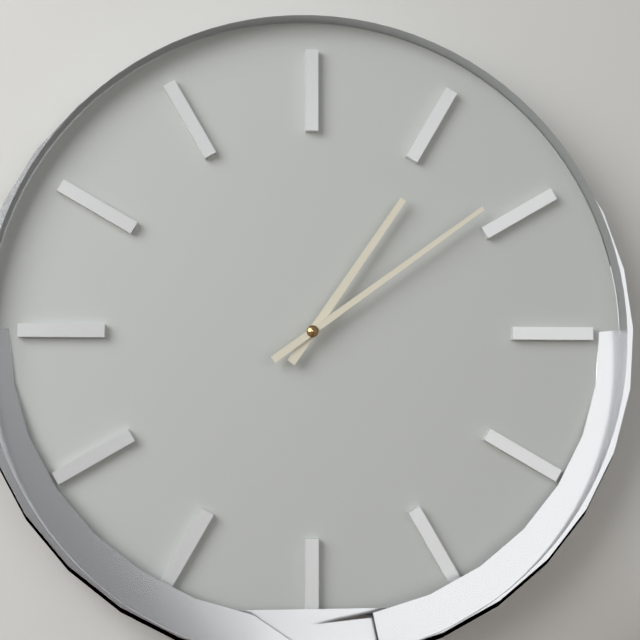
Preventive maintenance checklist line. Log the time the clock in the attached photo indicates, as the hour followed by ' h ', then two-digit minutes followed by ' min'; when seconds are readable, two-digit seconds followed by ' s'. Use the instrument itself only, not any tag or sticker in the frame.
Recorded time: 1 h 09 min
